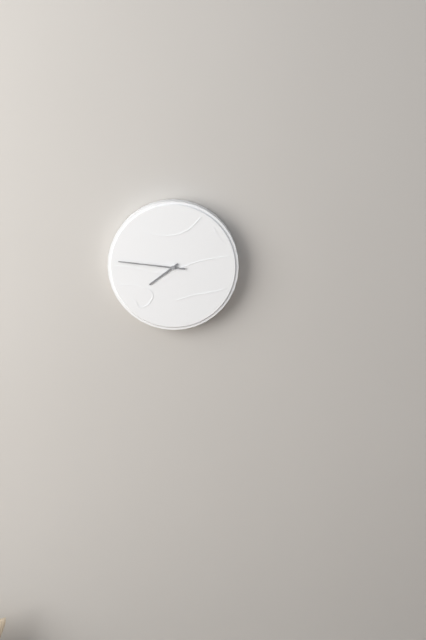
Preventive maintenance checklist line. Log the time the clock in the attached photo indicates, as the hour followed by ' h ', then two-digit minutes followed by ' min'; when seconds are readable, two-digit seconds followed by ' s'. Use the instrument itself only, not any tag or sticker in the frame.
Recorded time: 7 h 46 min
